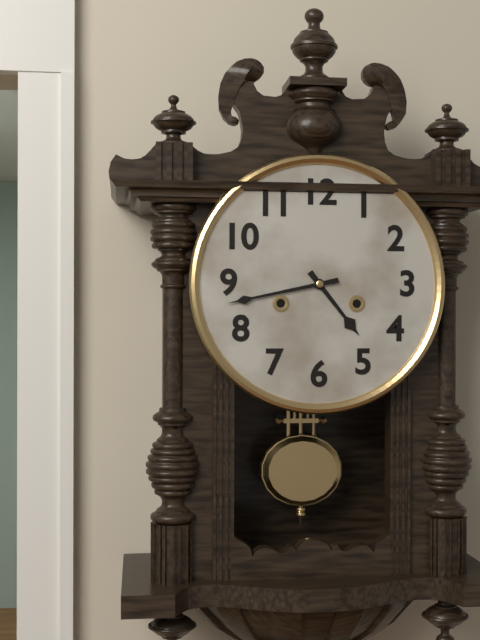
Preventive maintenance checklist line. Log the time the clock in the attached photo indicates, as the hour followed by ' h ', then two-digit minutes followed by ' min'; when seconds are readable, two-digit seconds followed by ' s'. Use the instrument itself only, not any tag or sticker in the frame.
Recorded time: 4 h 43 min
